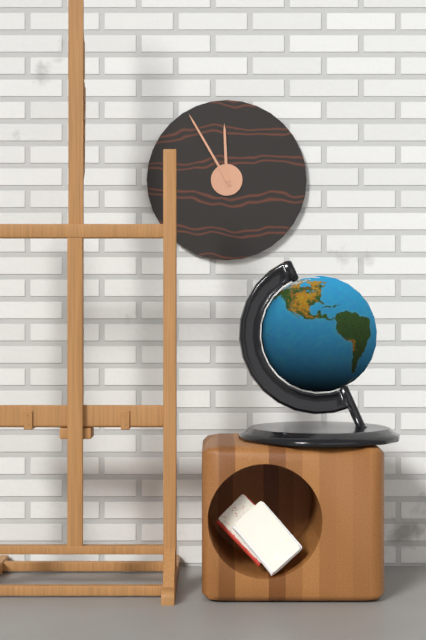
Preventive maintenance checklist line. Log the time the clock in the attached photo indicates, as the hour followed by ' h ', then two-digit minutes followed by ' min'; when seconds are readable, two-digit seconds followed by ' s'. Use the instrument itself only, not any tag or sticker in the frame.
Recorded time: 11 h 55 min
